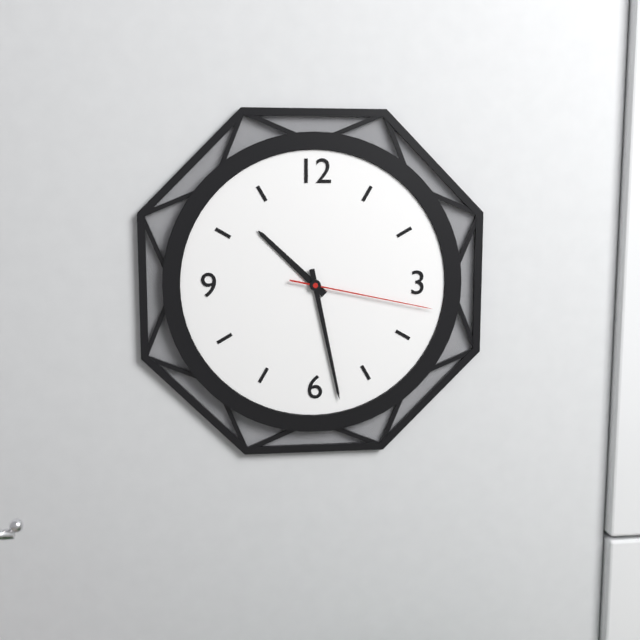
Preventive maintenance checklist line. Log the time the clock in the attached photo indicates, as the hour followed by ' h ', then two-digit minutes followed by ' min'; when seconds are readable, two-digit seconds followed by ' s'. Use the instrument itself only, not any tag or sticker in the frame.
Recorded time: 10 h 28 min 17 s
